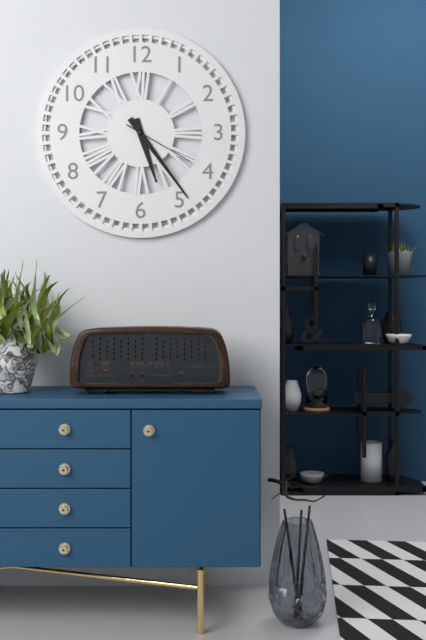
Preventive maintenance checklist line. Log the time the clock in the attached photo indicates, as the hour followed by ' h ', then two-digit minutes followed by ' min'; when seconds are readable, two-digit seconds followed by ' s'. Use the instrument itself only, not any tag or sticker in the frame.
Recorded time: 5 h 24 min 20 s
